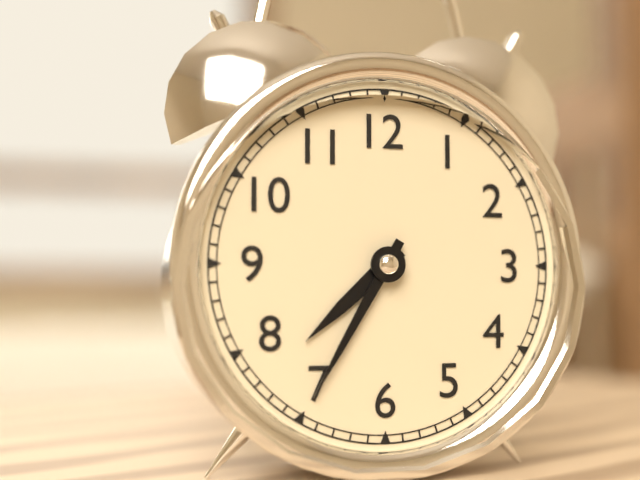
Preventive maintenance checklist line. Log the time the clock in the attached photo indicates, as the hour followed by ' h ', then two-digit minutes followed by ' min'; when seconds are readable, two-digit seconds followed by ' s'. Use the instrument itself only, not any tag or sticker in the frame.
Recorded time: 7 h 35 min
